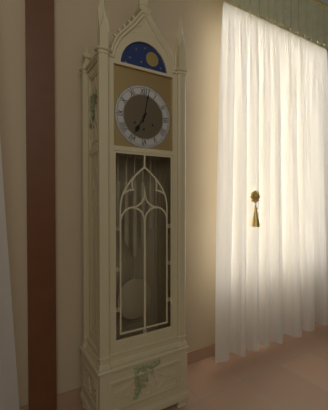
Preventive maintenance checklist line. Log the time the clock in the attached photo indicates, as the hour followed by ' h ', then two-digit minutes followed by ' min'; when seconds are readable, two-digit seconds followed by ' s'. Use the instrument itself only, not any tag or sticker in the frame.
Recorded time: 7 h 02 min
